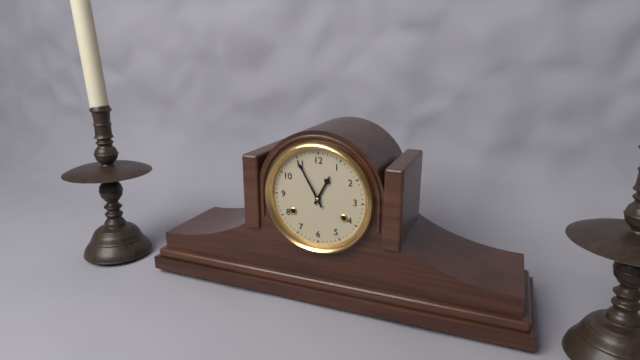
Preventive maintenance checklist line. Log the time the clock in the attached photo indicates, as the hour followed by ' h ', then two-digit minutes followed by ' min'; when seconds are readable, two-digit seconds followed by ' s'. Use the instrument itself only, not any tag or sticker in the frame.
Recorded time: 12 h 55 min
